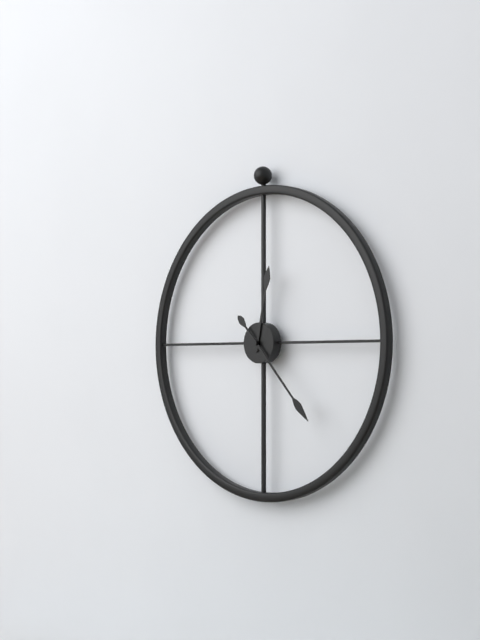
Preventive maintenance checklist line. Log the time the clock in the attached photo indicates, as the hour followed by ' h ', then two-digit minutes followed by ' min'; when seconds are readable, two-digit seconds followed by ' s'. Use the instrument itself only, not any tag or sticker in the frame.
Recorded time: 12 h 23 min
